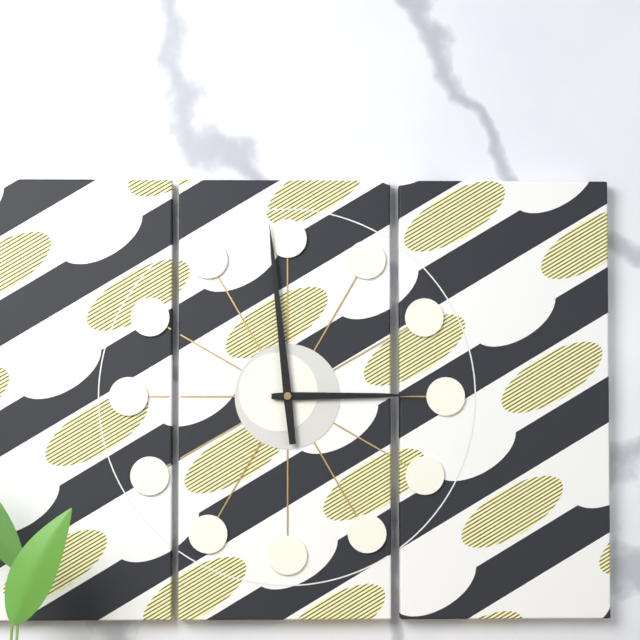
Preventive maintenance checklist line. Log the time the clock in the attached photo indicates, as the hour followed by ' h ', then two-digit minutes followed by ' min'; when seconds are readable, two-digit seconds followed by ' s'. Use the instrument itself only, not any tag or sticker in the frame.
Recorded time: 2 h 59 min
